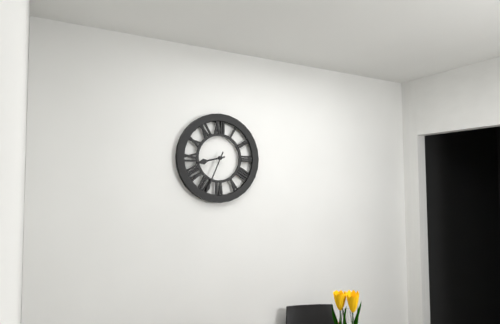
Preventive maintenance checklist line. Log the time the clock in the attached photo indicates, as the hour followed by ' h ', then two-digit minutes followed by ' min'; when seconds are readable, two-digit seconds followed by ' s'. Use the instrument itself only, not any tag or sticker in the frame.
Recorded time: 8 h 34 min
